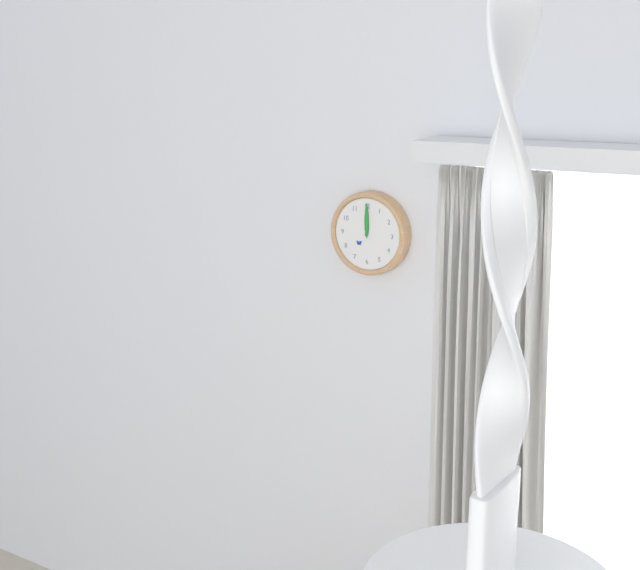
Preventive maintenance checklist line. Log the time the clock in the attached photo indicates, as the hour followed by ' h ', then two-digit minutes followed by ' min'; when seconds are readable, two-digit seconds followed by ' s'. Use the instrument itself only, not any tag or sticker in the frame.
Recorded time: 12 h 00 min
